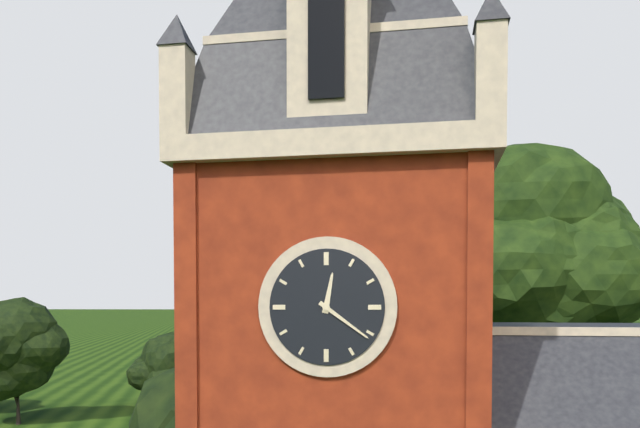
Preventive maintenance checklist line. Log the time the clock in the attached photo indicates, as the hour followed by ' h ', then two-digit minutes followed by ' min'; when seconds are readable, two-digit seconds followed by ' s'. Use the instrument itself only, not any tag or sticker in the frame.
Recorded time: 12 h 21 min
